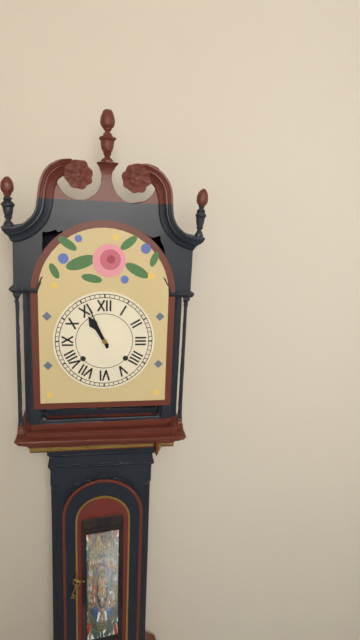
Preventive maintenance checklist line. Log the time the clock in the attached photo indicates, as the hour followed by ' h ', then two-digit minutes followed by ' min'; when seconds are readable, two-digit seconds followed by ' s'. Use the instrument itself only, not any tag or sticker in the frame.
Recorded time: 10 h 56 min
